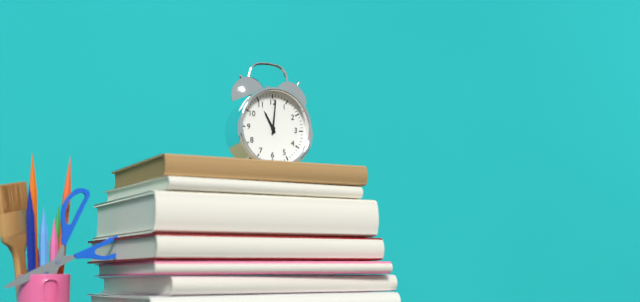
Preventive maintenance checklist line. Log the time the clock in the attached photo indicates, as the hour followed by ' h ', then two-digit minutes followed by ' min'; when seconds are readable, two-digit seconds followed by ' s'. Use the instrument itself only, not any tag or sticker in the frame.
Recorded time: 11 h 01 min
